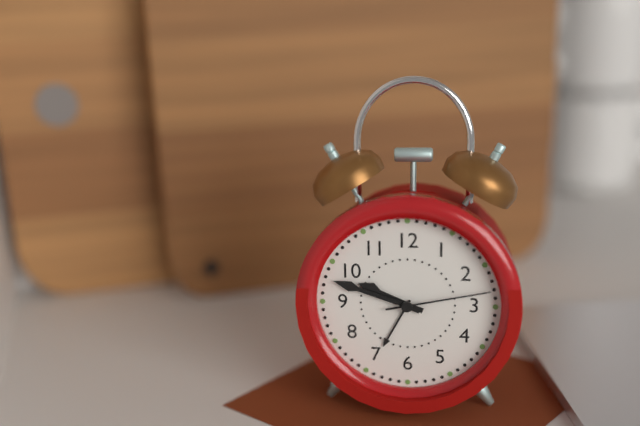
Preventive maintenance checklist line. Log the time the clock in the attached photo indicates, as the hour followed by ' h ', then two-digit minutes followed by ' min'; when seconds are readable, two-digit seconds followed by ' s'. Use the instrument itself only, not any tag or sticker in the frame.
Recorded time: 9 h 48 min 13 s
